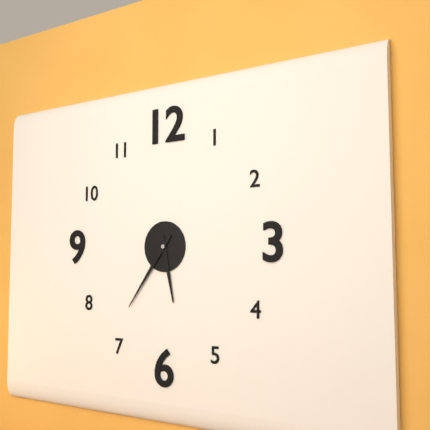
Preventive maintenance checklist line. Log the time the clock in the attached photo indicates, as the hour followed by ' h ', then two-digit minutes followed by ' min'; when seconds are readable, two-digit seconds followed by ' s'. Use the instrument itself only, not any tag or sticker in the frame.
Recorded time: 5 h 36 min
